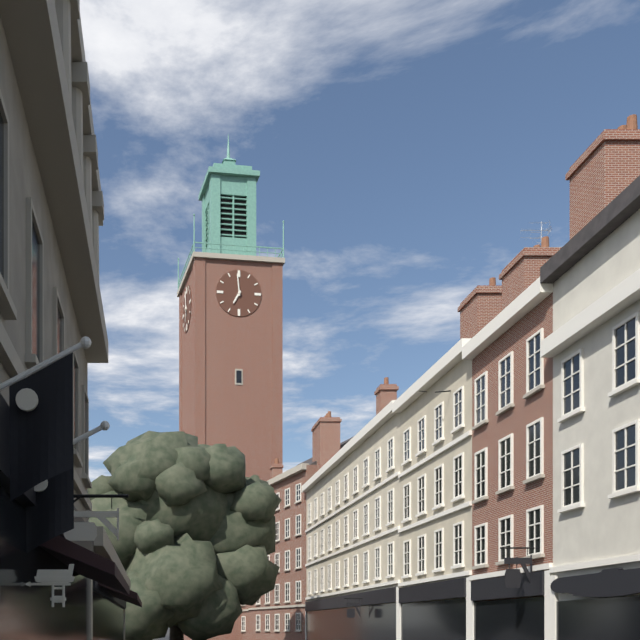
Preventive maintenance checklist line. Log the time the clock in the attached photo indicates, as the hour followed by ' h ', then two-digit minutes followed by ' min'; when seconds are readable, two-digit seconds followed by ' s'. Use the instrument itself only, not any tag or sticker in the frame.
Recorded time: 6 h 59 min
